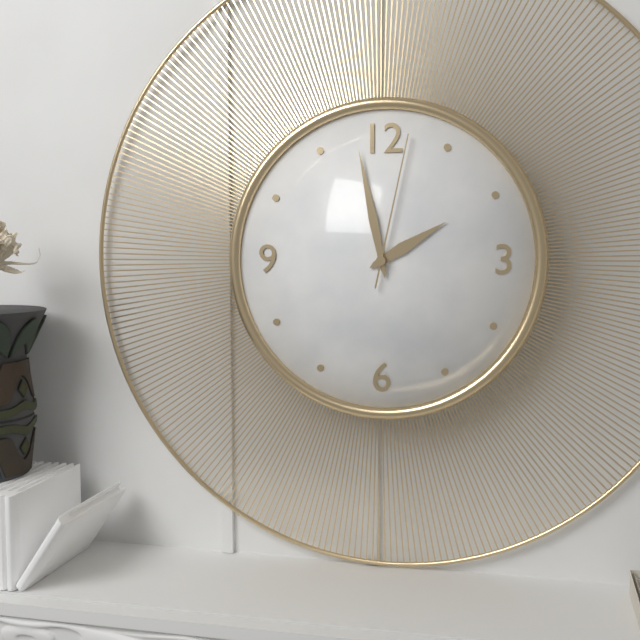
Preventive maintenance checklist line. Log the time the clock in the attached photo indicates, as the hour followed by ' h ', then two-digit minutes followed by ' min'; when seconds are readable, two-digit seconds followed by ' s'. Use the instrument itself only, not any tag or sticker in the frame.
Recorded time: 1 h 58 min 02 s
